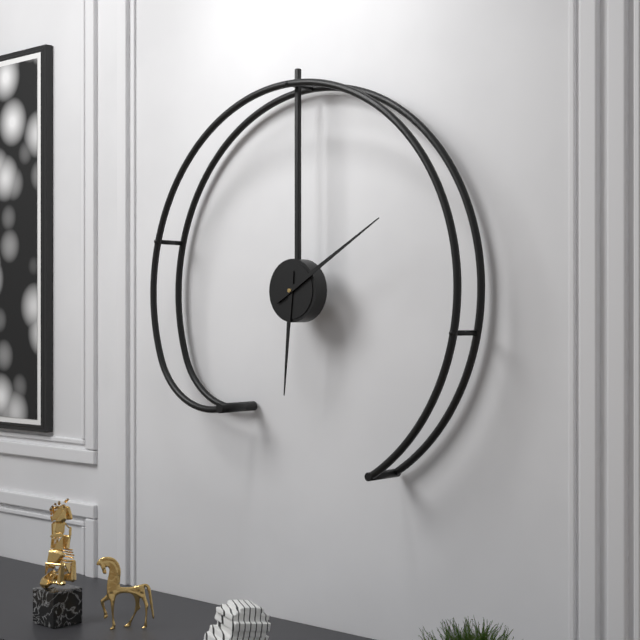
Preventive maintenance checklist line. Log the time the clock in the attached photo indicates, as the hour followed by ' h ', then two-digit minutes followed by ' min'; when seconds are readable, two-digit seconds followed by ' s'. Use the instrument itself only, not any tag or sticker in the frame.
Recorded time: 6 h 10 min
